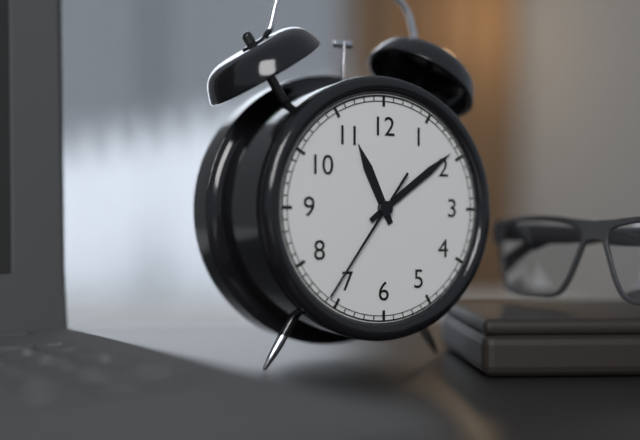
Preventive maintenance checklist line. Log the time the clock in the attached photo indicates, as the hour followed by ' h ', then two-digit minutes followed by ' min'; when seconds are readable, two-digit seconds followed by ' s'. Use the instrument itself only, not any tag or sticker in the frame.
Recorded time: 11 h 09 min 36 s
